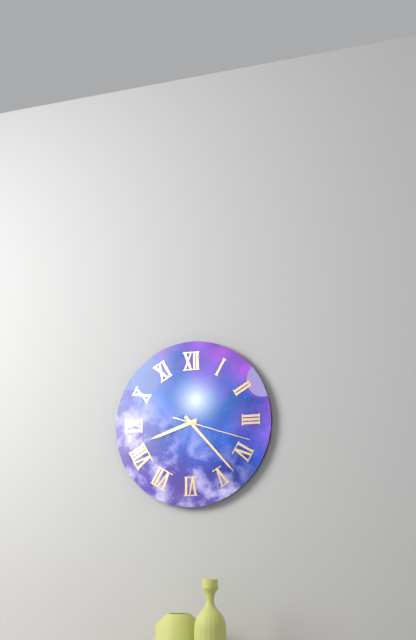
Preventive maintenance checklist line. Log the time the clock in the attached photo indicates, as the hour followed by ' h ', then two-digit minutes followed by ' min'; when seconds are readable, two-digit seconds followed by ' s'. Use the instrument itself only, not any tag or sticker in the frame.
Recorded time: 8 h 23 min 18 s
